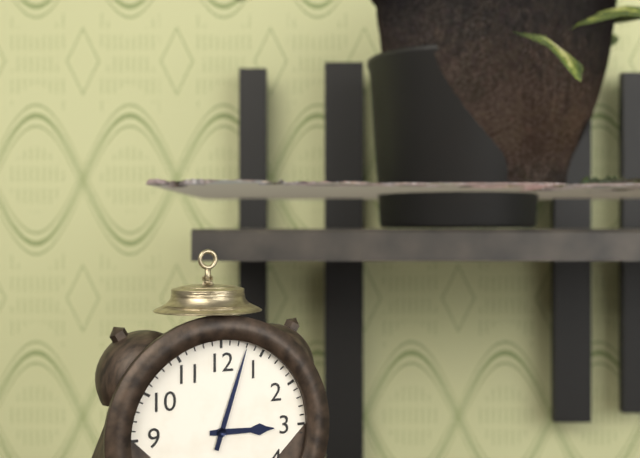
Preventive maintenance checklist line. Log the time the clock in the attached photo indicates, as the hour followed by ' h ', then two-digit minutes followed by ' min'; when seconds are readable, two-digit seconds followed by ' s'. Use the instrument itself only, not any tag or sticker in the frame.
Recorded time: 3 h 03 min
